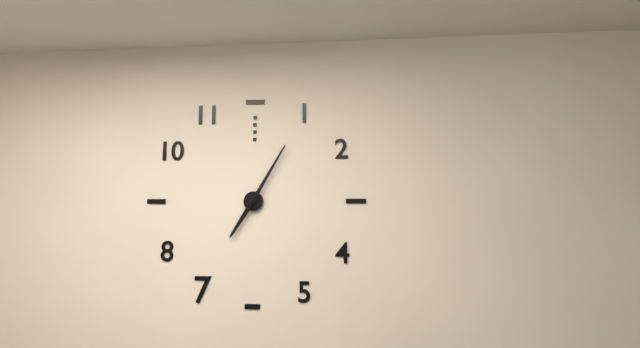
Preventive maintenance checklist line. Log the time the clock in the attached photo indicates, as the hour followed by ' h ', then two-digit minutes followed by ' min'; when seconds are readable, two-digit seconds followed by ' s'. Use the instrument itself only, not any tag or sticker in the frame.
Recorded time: 7 h 05 min
